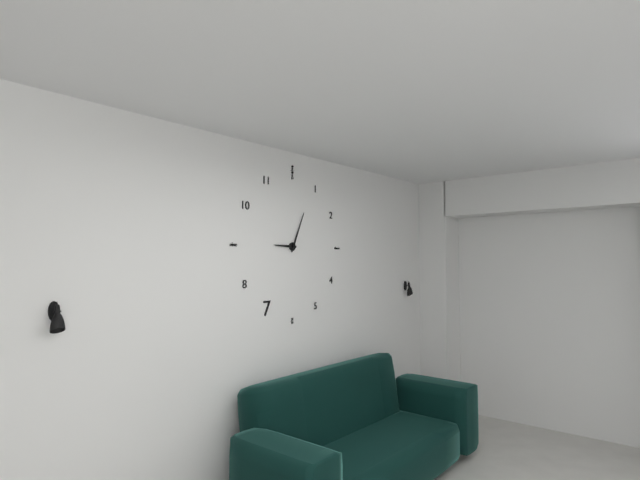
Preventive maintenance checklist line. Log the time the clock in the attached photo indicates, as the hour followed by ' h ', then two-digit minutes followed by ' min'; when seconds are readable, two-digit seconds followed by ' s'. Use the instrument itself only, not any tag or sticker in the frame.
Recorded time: 9 h 04 min
